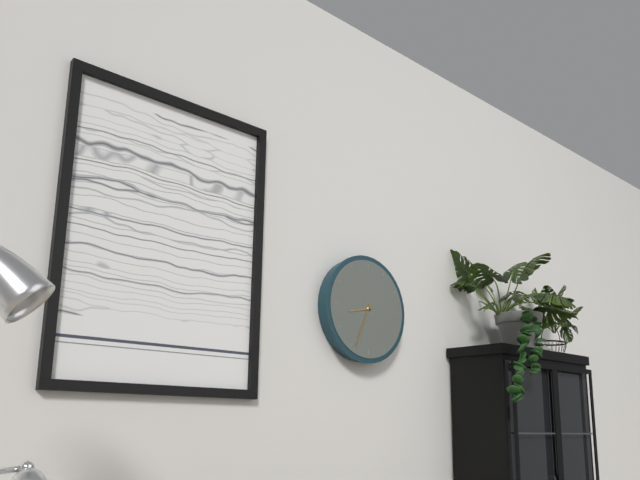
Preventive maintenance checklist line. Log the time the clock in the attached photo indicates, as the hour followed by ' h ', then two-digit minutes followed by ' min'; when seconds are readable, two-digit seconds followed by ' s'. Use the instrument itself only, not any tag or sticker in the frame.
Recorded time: 8 h 34 min
